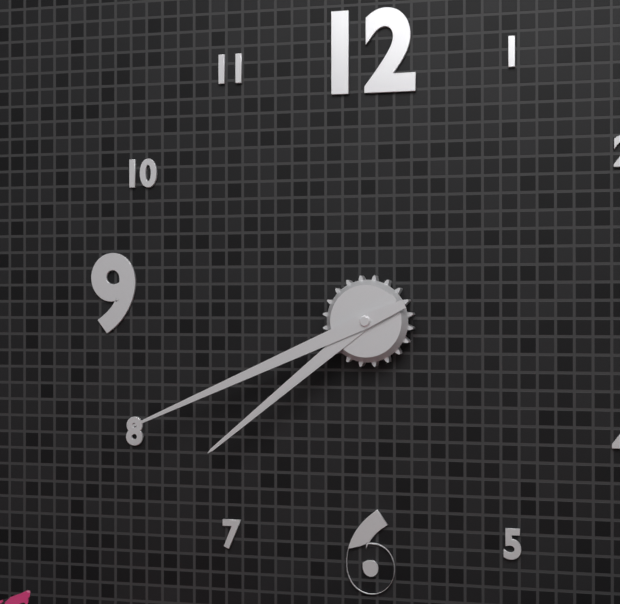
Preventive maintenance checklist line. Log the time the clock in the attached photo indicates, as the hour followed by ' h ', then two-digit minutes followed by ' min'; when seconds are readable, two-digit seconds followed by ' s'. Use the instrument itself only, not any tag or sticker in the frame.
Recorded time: 7 h 41 min
